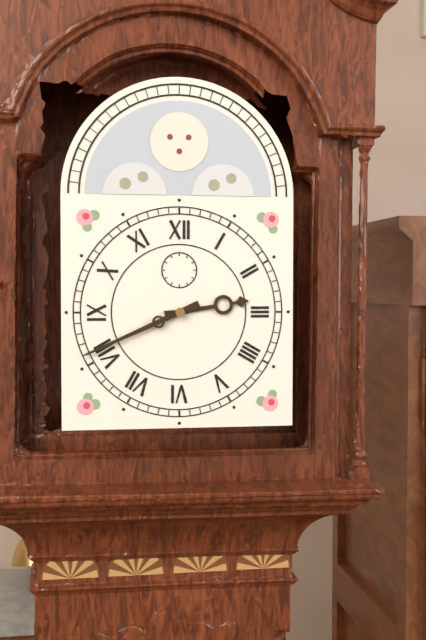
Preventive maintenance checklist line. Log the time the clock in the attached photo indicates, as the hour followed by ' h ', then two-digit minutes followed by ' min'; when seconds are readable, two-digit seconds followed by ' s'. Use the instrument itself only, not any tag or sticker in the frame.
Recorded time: 2 h 41 min
